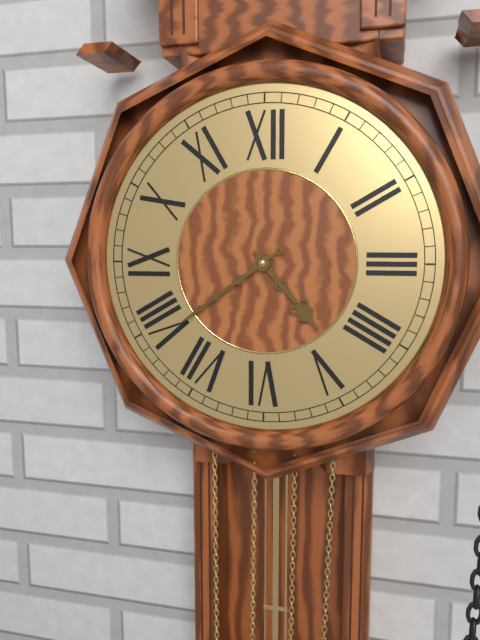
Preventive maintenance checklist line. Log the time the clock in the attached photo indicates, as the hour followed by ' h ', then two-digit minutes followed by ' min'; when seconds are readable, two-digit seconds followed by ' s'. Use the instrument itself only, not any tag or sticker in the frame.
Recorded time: 4 h 39 min
